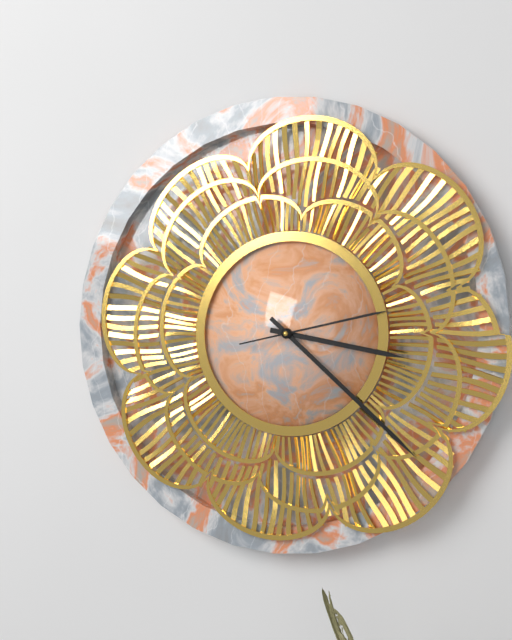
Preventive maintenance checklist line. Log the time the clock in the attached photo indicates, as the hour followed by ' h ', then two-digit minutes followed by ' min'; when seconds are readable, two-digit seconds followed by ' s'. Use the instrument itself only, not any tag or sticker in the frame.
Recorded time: 3 h 22 min 13 s
